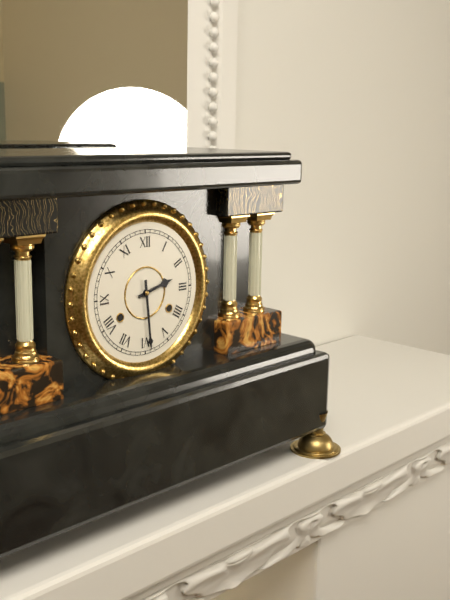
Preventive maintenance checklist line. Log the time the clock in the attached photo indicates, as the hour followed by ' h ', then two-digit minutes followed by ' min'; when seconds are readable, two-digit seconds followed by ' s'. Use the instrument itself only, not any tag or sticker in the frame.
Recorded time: 2 h 29 min
